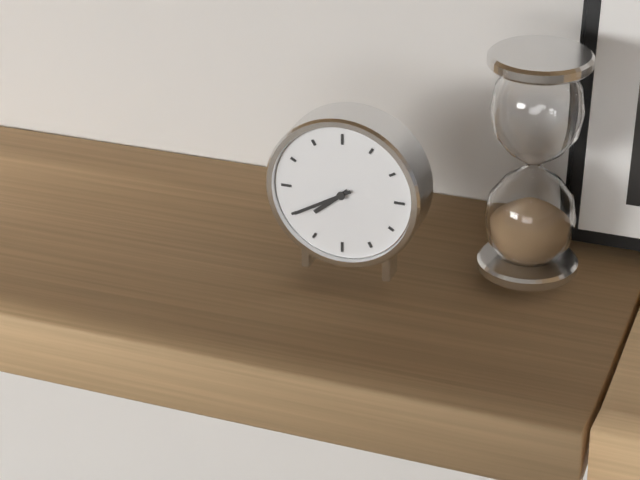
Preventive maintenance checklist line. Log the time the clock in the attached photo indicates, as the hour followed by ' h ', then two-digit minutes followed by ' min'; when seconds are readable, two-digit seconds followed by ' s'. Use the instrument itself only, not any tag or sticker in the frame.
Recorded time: 7 h 40 min
